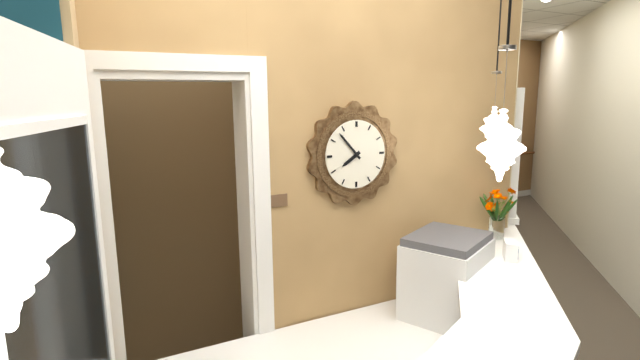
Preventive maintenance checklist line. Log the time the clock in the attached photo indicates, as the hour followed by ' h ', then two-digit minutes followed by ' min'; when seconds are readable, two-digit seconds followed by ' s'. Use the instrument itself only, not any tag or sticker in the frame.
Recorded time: 7 h 53 min
